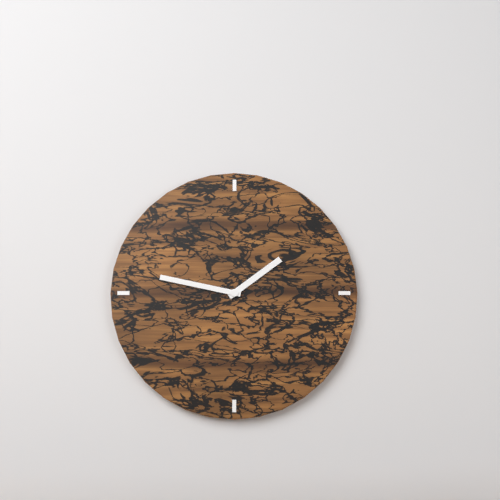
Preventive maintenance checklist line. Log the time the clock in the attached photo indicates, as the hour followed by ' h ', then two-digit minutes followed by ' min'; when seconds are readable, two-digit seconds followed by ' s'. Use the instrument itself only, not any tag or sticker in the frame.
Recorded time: 1 h 47 min
